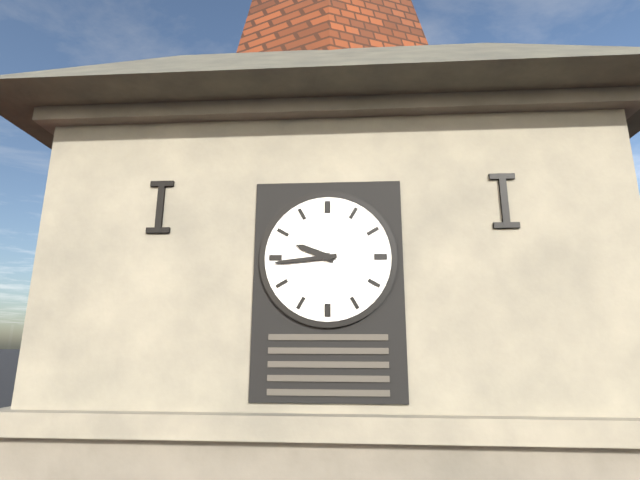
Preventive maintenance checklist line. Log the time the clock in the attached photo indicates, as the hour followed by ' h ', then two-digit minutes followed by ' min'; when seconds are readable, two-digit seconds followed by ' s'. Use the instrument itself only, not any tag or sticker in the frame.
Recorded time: 9 h 44 min
